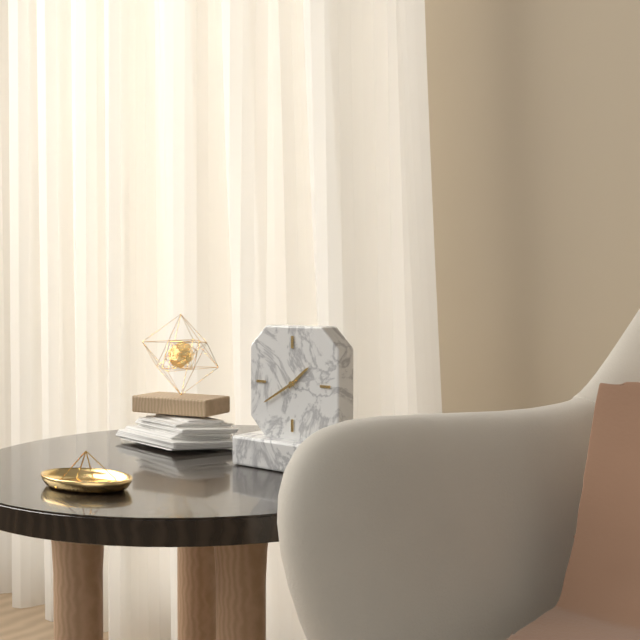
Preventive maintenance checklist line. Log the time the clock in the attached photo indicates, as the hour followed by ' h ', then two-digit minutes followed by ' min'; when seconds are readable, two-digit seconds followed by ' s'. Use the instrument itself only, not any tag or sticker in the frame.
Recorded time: 1 h 40 min
